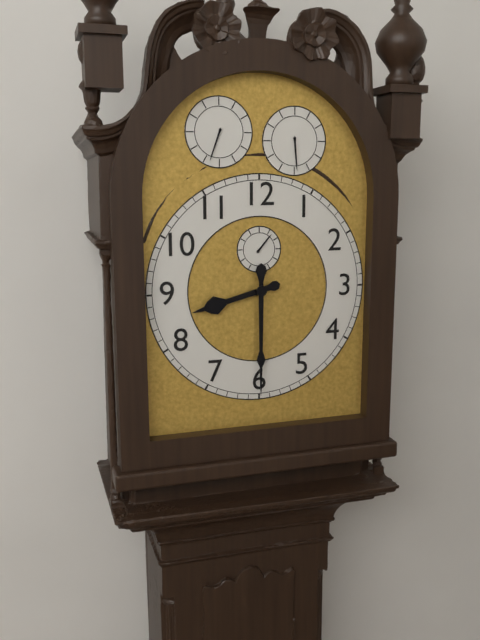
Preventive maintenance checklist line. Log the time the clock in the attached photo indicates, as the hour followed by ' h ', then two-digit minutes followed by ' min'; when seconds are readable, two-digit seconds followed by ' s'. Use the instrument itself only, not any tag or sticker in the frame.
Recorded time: 8 h 30 min
